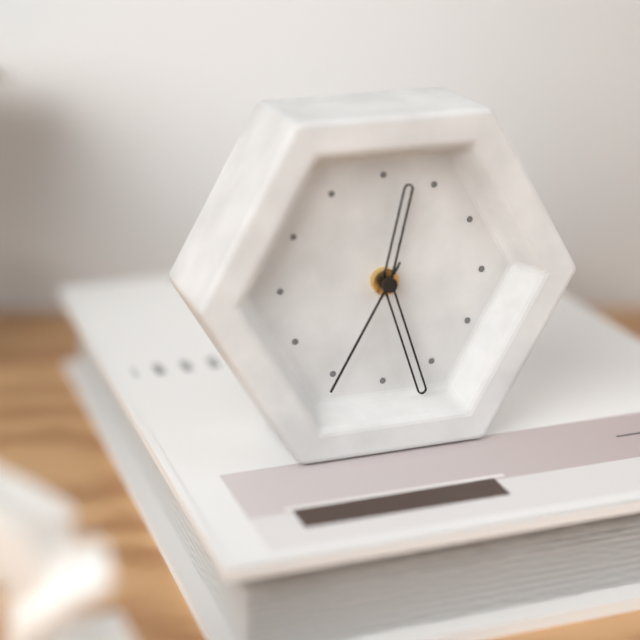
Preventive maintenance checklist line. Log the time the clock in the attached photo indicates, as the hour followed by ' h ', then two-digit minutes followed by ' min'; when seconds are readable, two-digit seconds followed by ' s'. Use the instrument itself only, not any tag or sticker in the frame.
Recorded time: 12 h 27 min 35 s
